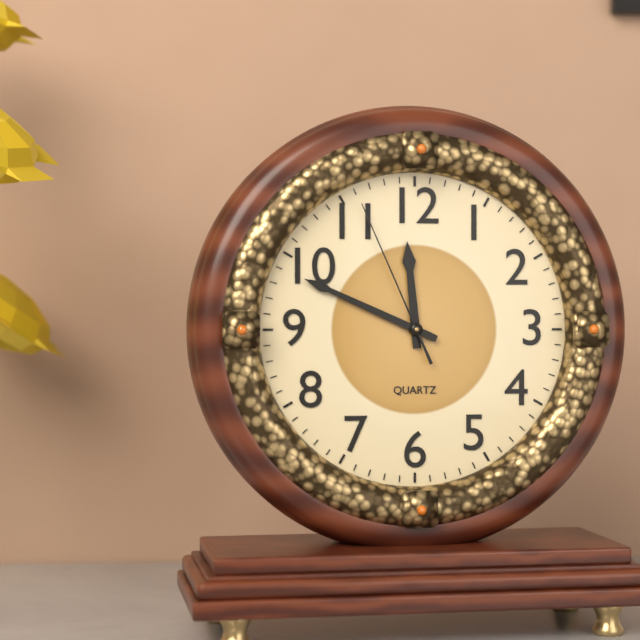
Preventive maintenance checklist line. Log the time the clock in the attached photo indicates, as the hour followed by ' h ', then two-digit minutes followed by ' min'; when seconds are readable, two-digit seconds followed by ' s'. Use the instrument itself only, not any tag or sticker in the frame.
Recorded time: 11 h 49 min 56 s
